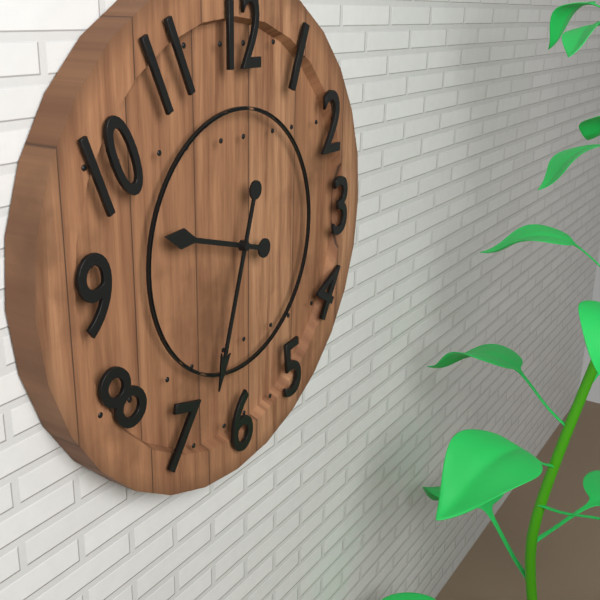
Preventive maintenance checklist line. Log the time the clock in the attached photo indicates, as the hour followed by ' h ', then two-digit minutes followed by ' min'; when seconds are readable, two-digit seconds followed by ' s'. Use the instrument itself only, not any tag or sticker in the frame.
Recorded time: 9 h 33 min
